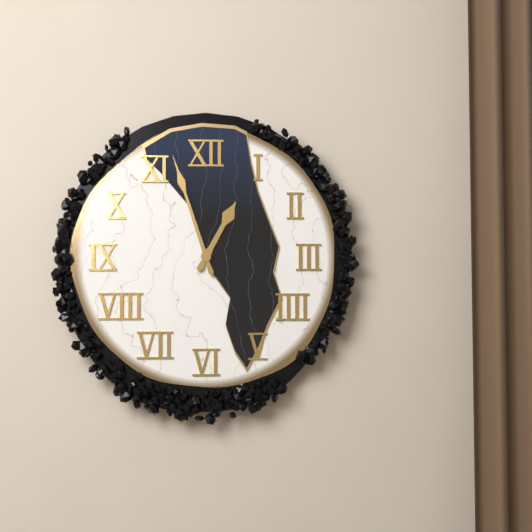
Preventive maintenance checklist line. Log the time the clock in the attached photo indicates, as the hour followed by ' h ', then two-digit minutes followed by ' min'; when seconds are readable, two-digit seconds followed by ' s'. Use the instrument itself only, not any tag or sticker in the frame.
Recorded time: 12 h 57 min
